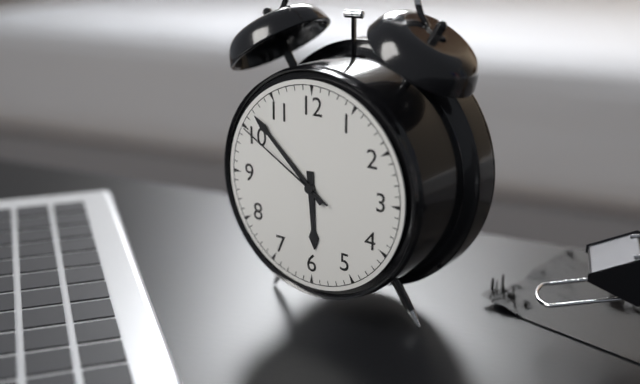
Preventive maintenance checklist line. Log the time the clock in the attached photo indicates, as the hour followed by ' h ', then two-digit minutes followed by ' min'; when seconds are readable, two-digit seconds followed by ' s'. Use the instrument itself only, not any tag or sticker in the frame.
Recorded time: 5 h 52 min 50 s
